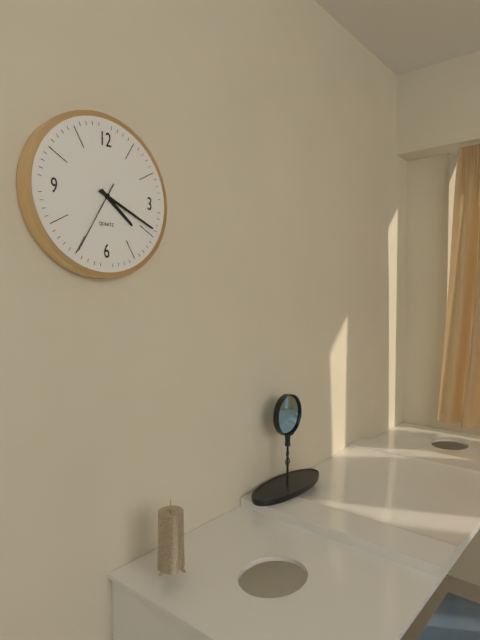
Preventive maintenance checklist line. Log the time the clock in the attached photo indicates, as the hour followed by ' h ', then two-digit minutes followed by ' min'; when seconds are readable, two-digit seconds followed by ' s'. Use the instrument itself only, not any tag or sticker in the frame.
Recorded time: 4 h 19 min 35 s
